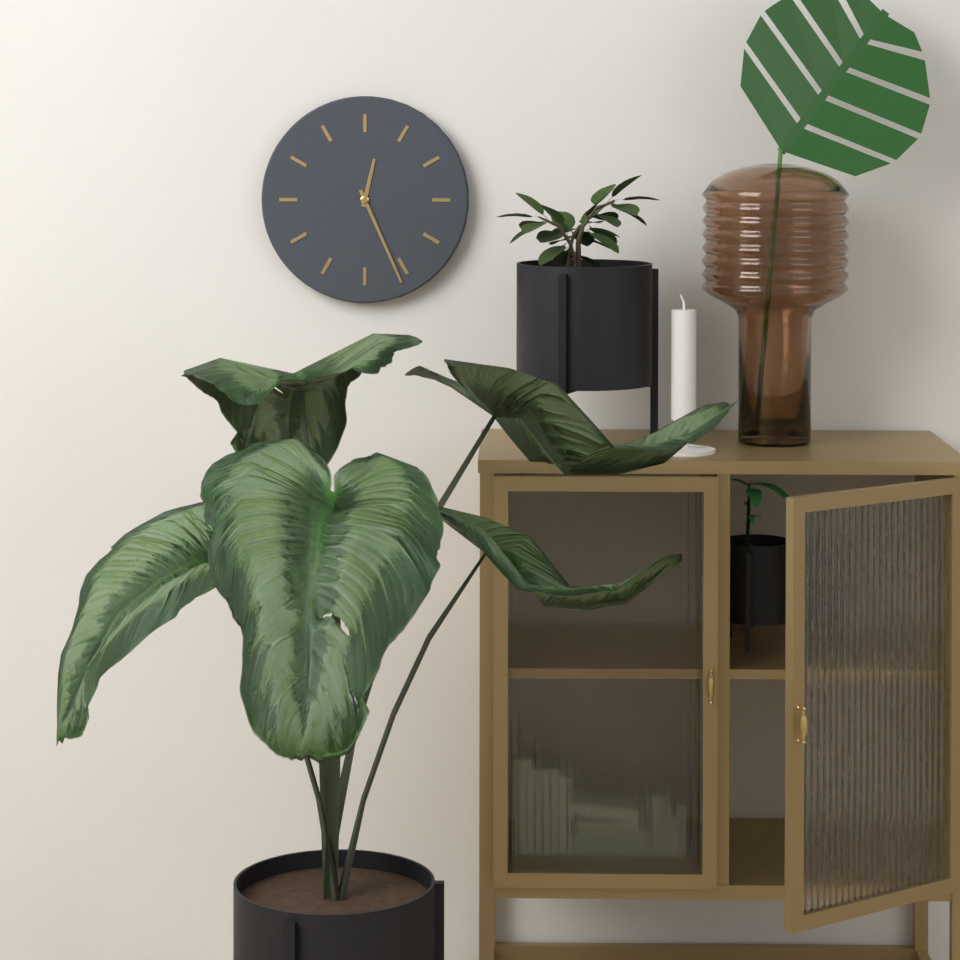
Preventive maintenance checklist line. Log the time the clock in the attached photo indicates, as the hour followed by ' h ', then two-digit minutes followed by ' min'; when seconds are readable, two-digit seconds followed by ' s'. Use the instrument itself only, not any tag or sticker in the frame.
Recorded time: 12 h 26 min
